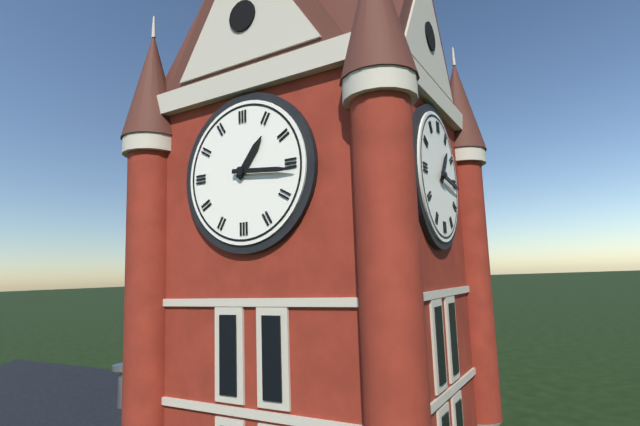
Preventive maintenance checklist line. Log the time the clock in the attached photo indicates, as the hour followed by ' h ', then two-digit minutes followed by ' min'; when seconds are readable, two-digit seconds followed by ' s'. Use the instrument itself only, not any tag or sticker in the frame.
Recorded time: 1 h 16 min
